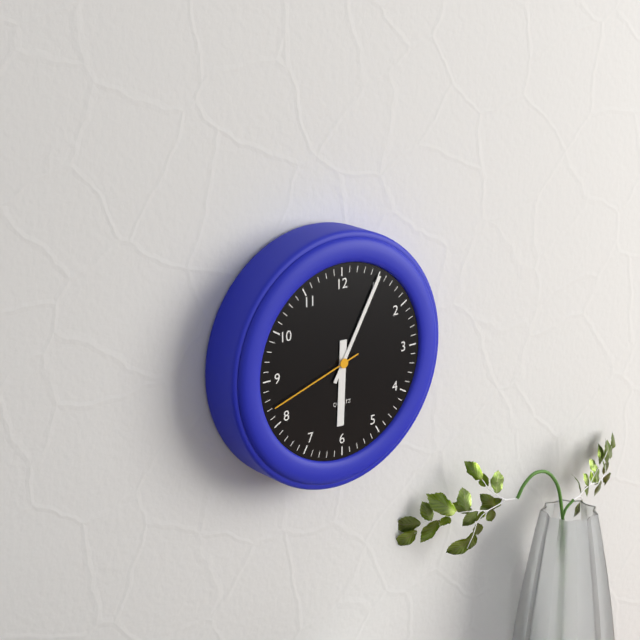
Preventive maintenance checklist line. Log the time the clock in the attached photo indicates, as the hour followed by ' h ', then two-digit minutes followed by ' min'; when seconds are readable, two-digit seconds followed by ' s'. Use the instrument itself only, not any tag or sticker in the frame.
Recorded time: 6 h 05 min 42 s
